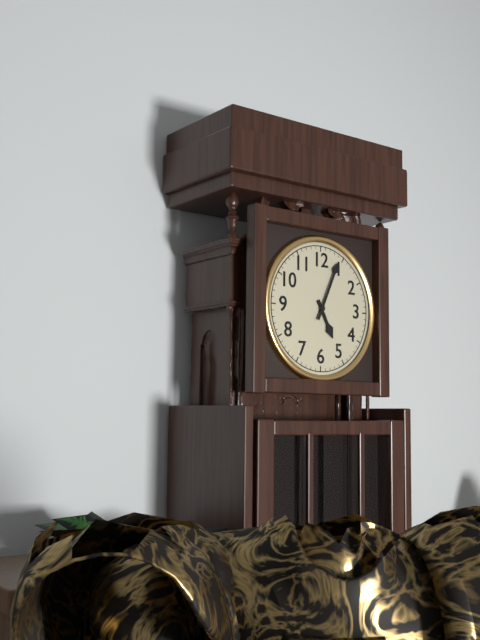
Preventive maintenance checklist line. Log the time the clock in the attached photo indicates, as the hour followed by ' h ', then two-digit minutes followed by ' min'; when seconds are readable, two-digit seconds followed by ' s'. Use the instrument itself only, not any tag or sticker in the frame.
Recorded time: 5 h 04 min
